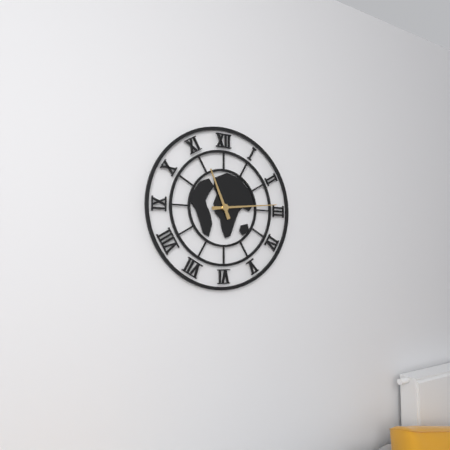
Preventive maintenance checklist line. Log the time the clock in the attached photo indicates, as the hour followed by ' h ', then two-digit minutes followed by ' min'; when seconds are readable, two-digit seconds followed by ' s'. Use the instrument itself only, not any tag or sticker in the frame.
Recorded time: 11 h 14 min
